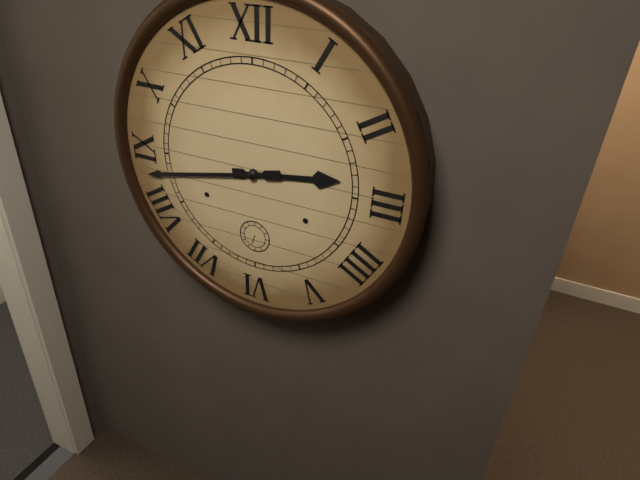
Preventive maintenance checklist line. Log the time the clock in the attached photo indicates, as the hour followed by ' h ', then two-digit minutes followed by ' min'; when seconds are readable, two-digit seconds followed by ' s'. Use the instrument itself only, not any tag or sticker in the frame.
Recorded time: 2 h 43 min
